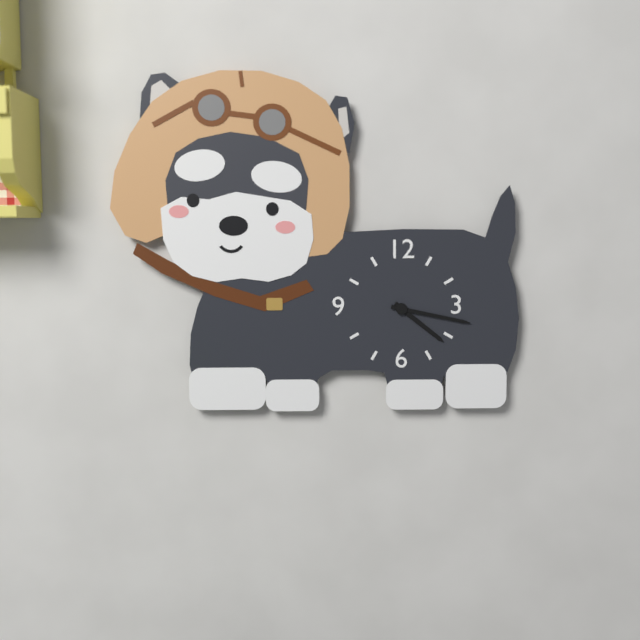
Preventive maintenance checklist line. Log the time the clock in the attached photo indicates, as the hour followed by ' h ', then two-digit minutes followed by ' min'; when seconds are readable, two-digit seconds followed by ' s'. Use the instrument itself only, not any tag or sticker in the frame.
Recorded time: 4 h 17 min
